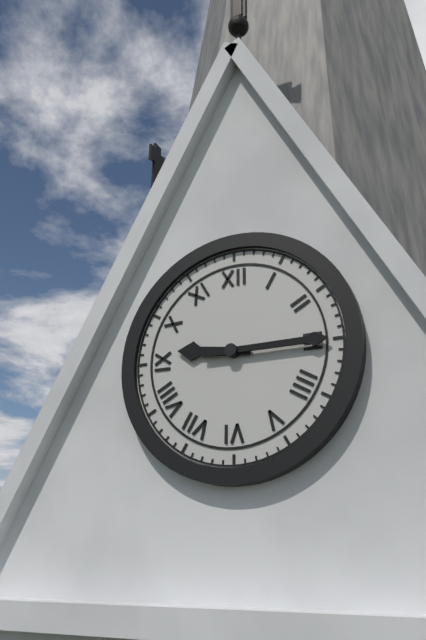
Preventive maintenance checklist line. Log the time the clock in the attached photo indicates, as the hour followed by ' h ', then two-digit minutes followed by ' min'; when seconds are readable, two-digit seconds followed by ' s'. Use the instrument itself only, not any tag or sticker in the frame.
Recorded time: 9 h 15 min
